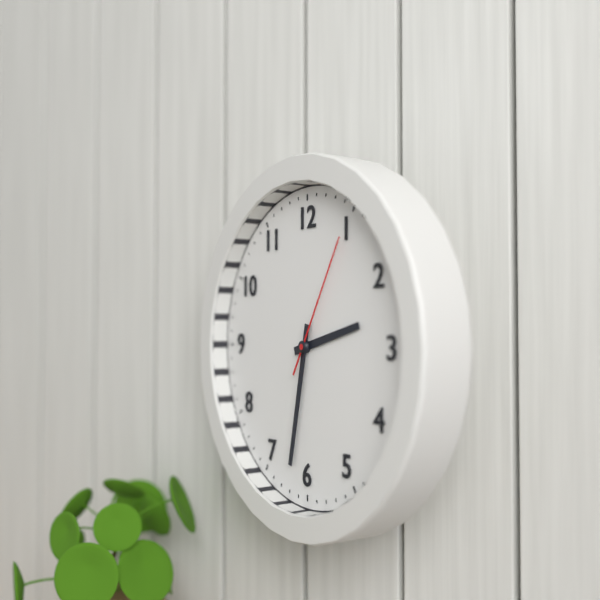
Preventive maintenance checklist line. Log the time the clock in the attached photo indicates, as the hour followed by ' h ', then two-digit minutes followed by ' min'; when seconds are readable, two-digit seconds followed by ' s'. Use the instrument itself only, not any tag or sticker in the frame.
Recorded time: 2 h 32 min 05 s
